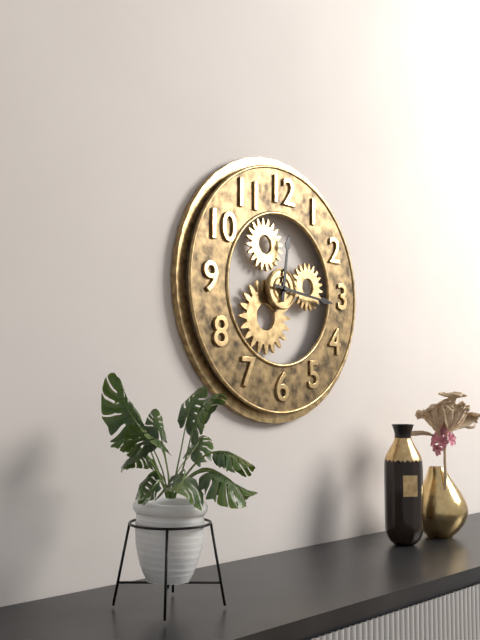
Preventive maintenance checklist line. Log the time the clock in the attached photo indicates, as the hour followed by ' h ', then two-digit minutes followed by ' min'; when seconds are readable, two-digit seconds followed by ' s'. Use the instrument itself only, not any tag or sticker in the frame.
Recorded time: 12 h 16 min
